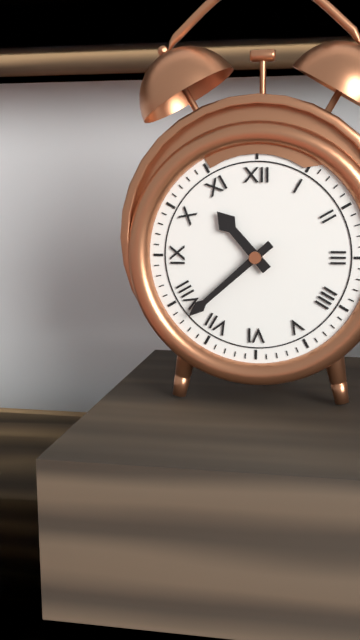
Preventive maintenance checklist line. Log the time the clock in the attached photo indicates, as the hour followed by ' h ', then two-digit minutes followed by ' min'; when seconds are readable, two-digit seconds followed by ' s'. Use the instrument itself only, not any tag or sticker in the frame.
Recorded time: 10 h 38 min
